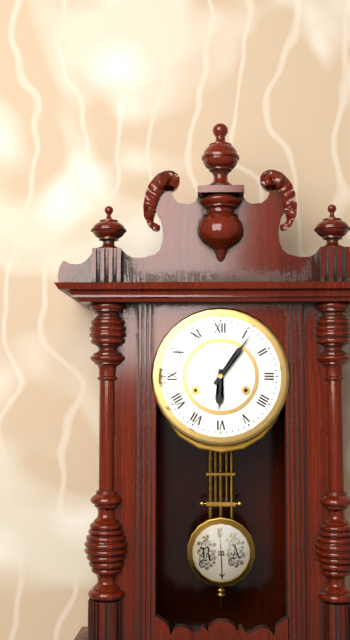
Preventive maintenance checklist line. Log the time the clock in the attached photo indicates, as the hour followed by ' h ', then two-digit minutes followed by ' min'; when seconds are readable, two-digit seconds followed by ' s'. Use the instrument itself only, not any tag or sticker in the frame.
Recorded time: 6 h 06 min
